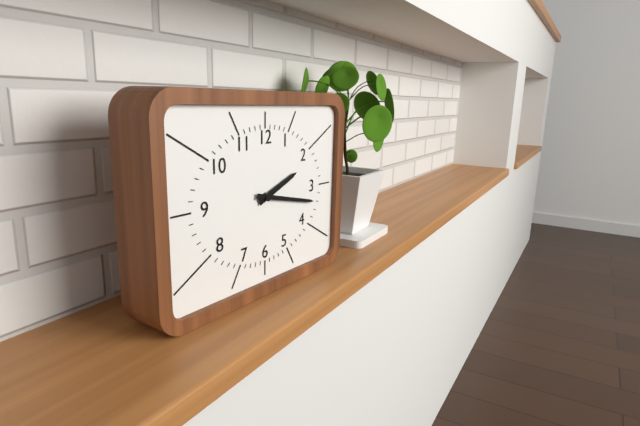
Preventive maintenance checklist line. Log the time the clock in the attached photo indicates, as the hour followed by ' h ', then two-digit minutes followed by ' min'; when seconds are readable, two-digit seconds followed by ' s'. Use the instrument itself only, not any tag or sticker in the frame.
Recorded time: 2 h 17 min
